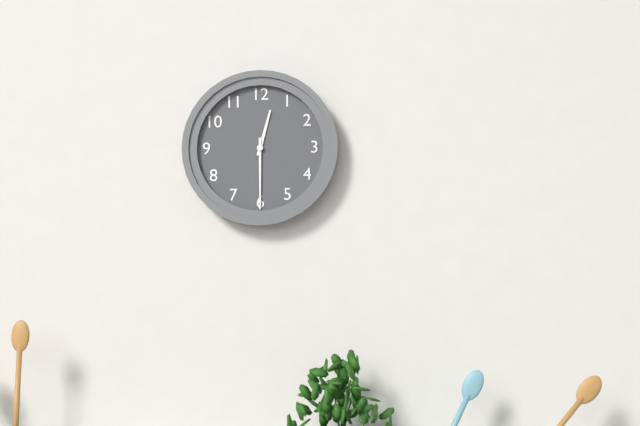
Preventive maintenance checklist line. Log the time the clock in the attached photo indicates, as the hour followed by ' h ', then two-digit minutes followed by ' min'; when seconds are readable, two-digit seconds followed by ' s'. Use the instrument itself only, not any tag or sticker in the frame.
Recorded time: 12 h 30 min
